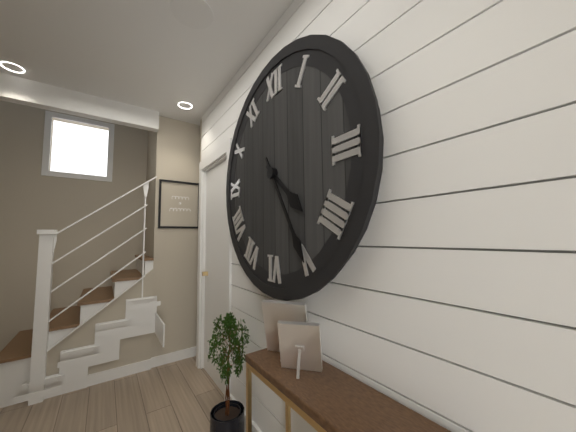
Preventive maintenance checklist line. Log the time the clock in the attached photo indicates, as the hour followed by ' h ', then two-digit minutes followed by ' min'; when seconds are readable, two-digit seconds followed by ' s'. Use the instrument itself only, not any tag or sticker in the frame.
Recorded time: 4 h 25 min
